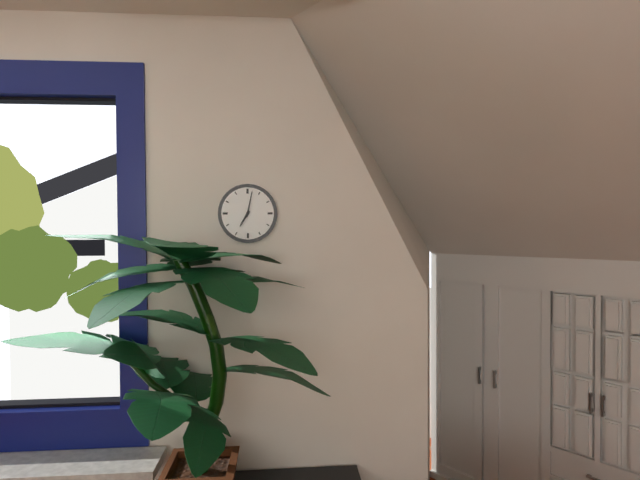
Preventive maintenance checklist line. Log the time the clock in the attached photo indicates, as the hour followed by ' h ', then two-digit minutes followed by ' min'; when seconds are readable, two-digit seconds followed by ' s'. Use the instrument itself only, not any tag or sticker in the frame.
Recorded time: 7 h 02 min
